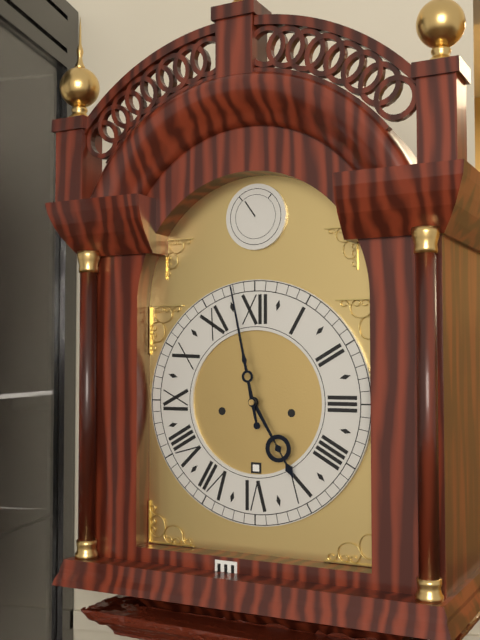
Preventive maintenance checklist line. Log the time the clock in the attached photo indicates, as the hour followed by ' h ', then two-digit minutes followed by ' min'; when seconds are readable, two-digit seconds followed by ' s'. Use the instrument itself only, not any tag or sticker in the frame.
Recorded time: 4 h 58 min
